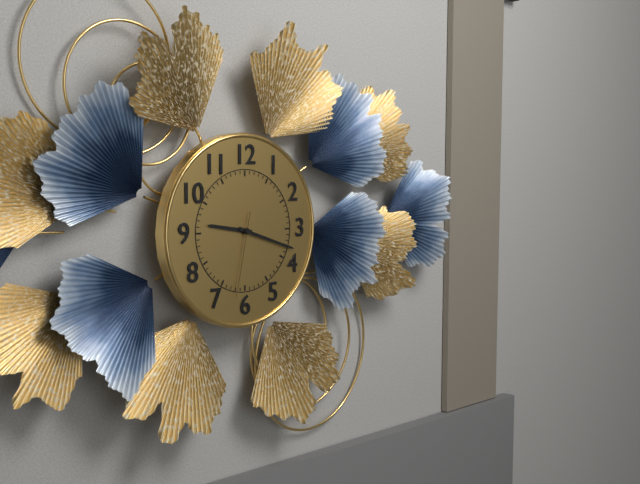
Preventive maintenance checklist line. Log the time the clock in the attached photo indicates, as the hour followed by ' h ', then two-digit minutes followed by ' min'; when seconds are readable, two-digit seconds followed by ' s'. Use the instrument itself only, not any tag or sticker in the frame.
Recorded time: 9 h 18 min 32 s
